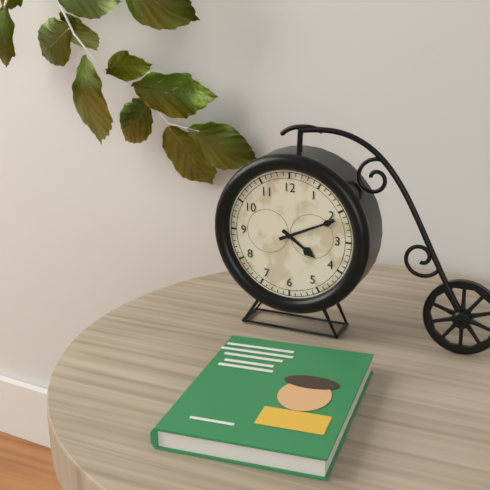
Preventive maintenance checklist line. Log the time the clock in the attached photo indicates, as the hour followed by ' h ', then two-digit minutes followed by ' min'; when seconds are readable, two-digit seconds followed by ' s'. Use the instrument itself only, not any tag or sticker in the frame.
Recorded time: 4 h 11 min
